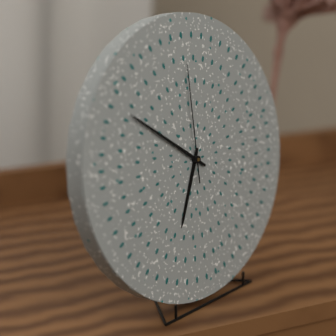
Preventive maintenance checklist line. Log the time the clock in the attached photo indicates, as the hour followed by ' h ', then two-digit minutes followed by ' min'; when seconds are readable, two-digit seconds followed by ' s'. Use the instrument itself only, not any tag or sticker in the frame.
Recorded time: 6 h 51 min 00 s
